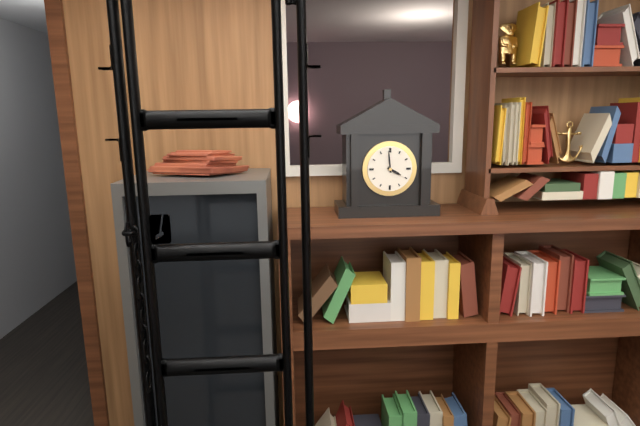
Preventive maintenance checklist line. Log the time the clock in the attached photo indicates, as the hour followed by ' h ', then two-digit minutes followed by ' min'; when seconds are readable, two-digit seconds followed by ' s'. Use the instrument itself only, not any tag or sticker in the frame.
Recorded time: 3 h 59 min
